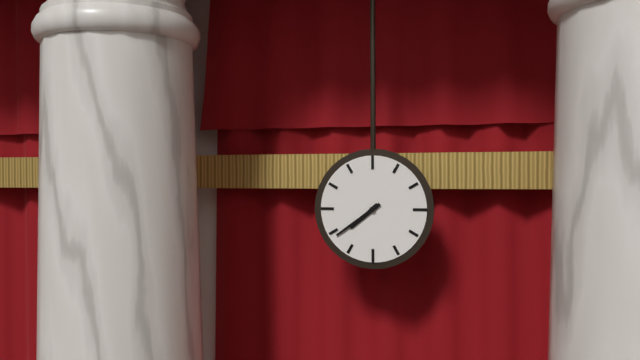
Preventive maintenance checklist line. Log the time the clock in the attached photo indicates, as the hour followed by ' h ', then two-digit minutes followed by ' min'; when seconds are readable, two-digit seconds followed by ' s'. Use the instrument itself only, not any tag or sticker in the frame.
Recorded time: 7 h 39 min
